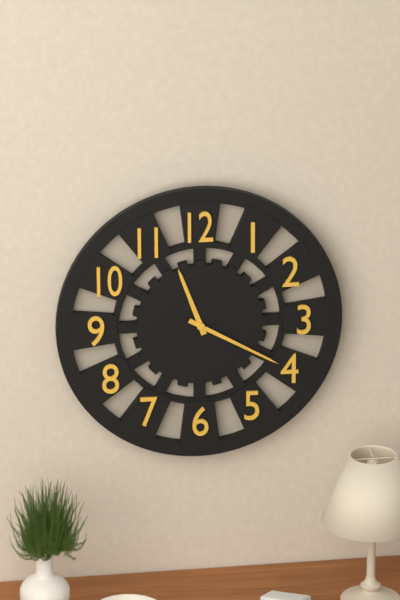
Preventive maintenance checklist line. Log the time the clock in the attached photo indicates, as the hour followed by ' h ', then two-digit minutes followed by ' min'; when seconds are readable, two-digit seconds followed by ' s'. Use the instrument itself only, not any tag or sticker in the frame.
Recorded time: 11 h 20 min
